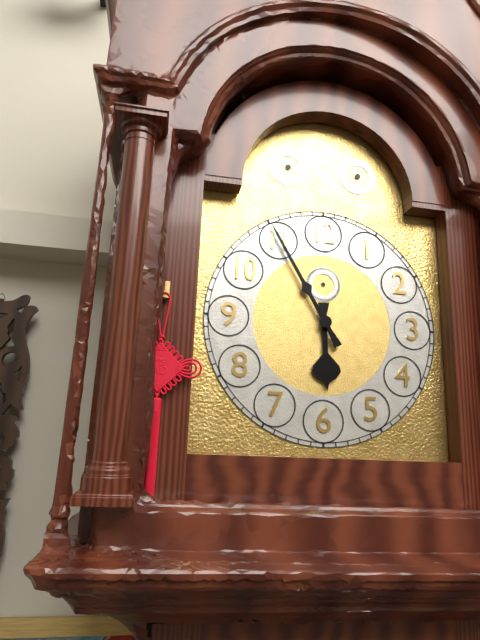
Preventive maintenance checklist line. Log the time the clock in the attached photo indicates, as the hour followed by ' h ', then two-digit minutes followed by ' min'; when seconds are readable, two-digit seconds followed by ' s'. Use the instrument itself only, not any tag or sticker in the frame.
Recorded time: 5 h 55 min
